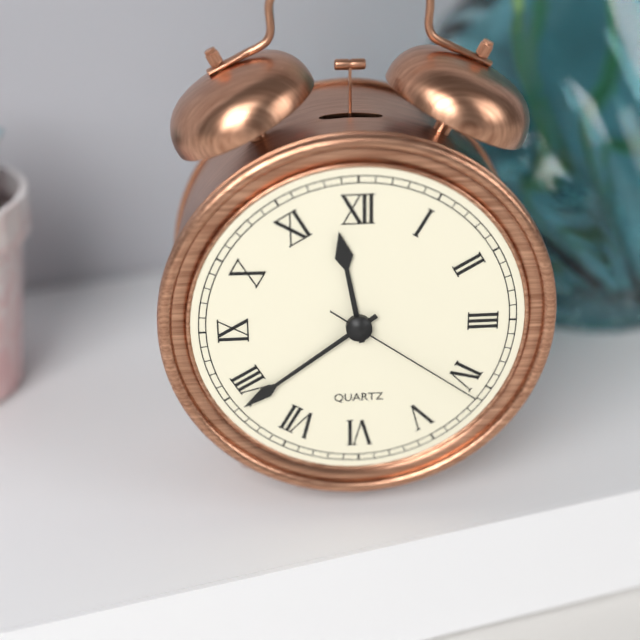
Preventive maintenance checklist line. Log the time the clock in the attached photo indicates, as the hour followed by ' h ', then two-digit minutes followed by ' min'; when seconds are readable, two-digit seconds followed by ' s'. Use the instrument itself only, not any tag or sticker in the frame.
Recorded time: 11 h 39 min 21 s
